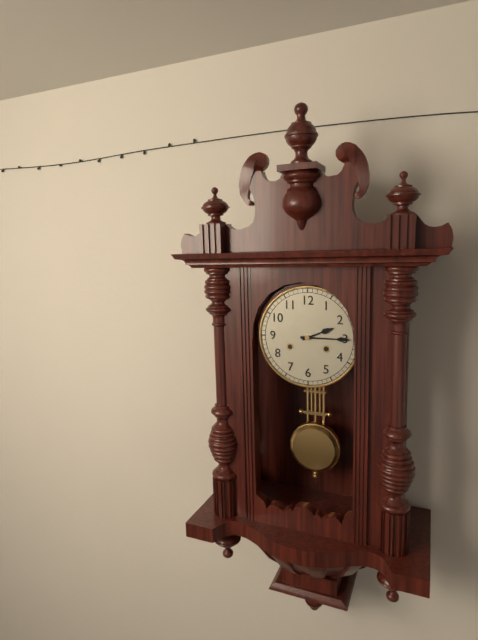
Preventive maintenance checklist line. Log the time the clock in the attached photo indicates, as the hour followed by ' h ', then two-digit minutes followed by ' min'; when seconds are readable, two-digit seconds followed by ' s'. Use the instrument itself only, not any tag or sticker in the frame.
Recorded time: 2 h 15 min
